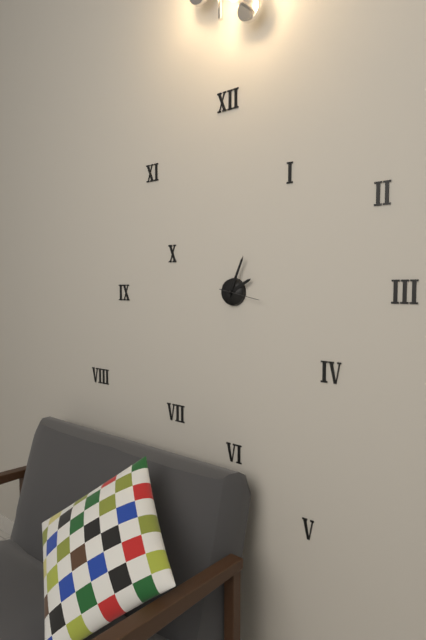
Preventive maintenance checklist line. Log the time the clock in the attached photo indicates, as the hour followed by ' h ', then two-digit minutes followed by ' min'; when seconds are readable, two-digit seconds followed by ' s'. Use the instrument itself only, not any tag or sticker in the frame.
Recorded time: 2 h 04 min
